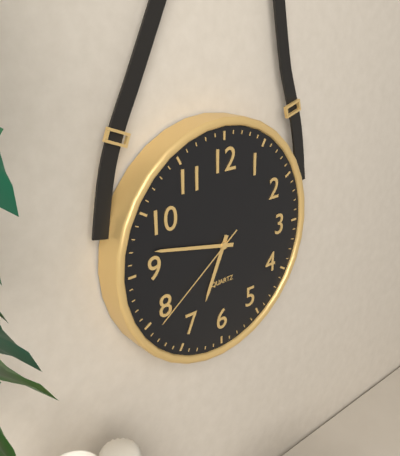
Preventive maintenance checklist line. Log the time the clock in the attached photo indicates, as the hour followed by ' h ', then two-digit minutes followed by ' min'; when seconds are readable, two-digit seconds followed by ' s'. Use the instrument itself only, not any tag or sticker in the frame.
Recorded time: 6 h 47 min 39 s
